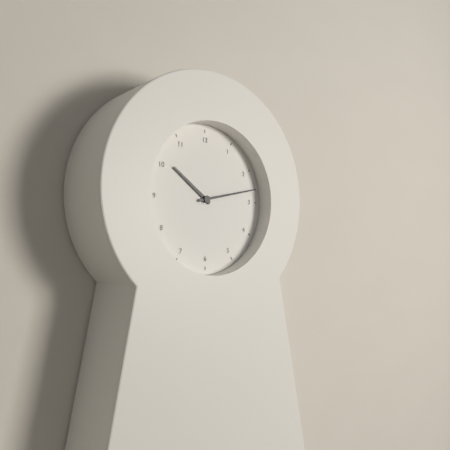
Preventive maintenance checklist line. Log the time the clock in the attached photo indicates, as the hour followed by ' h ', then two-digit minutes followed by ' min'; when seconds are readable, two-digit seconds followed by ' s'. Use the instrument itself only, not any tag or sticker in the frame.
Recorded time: 10 h 13 min
